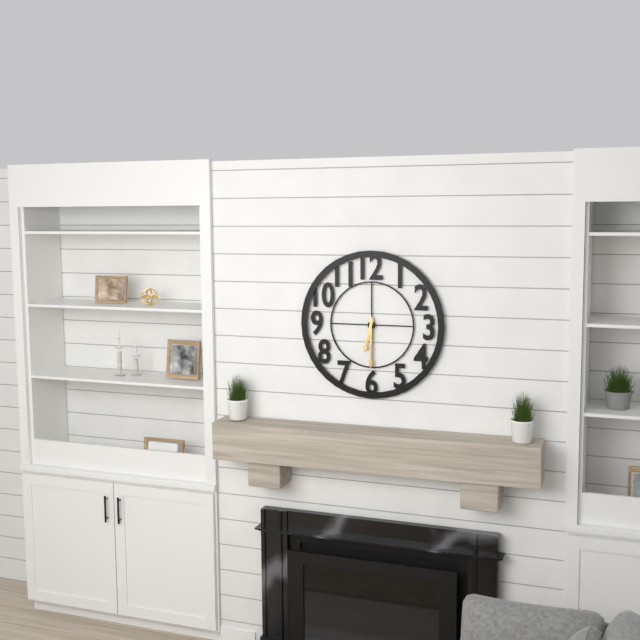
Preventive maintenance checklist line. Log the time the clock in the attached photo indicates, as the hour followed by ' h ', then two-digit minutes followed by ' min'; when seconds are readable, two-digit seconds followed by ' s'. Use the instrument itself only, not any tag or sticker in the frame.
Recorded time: 6 h 30 min
